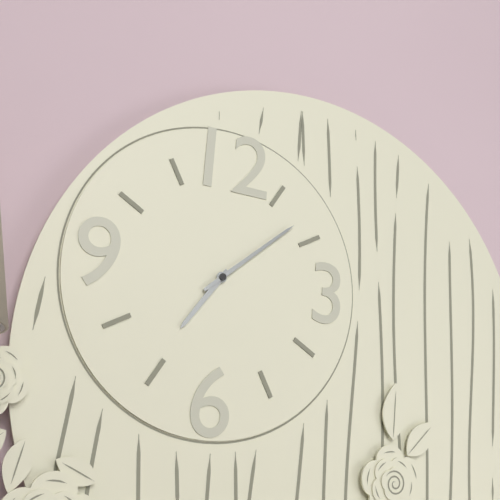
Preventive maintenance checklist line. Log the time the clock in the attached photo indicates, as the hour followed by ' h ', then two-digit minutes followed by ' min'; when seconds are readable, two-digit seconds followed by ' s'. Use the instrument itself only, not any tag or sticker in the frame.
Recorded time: 7 h 08 min
